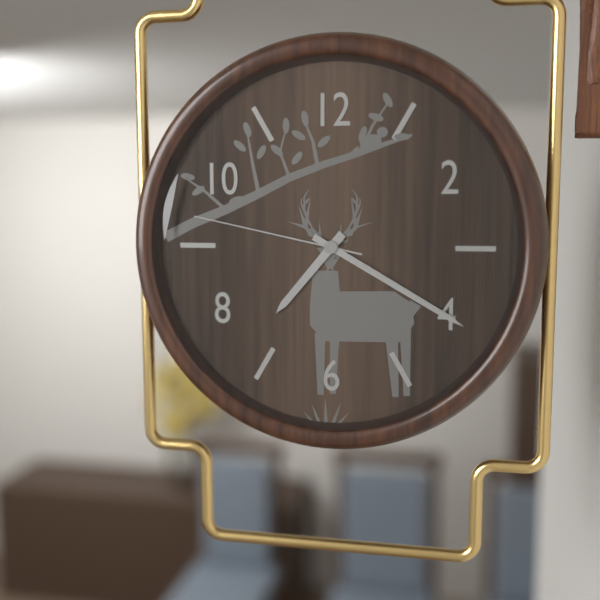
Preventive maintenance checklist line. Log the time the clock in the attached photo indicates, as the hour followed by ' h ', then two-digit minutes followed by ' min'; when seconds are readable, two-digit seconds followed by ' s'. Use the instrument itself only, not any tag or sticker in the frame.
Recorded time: 7 h 20 min 47 s
